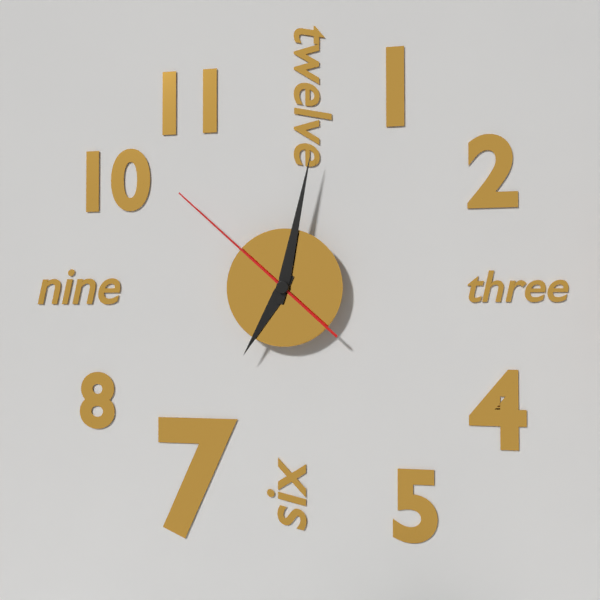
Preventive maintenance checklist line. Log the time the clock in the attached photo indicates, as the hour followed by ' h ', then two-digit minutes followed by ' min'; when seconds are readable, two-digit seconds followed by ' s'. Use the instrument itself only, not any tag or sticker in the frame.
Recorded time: 7 h 02 min 52 s
